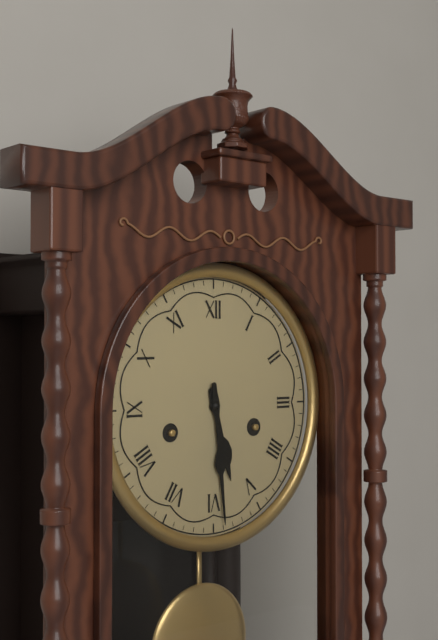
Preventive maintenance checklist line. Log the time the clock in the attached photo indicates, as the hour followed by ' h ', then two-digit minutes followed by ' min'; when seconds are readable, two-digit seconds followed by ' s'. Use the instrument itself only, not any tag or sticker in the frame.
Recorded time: 5 h 29 min
